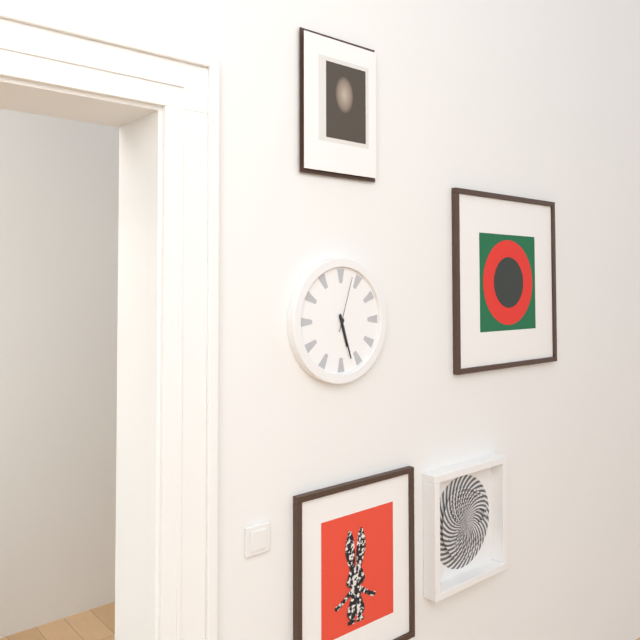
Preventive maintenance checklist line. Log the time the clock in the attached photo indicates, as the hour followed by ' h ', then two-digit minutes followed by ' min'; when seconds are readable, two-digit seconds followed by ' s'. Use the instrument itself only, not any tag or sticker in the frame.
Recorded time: 5 h 27 min 03 s
